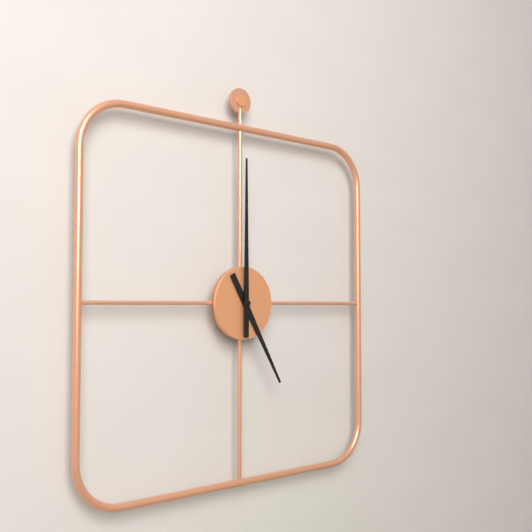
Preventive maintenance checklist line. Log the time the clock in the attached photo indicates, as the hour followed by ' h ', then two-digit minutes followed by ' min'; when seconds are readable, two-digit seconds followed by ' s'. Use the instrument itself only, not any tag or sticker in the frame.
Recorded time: 5 h 00 min
